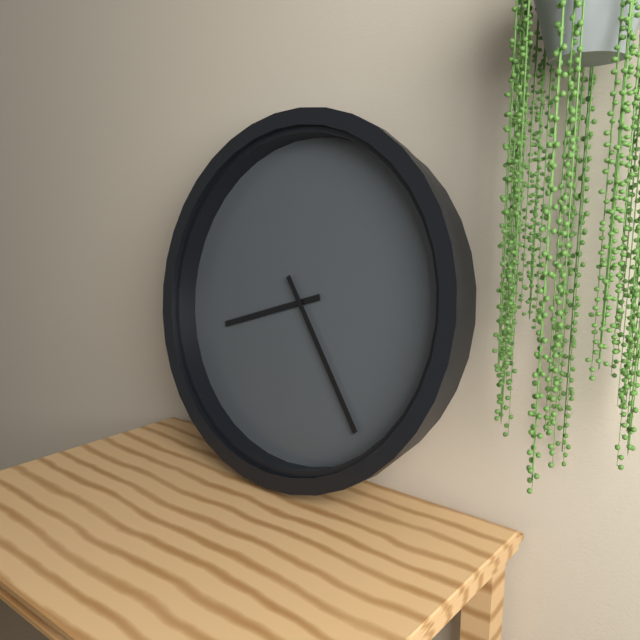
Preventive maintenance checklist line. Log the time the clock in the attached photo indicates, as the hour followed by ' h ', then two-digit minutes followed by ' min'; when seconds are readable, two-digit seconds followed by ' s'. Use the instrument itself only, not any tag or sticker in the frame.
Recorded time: 8 h 24 min
